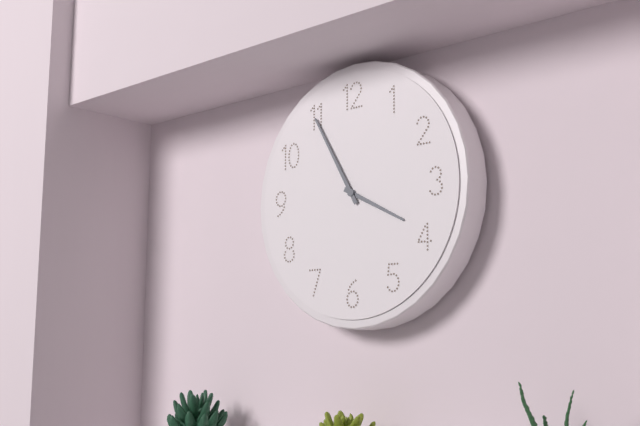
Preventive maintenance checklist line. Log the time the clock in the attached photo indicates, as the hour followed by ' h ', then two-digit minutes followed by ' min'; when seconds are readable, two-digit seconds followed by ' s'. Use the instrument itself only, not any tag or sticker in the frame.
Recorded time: 3 h 55 min
